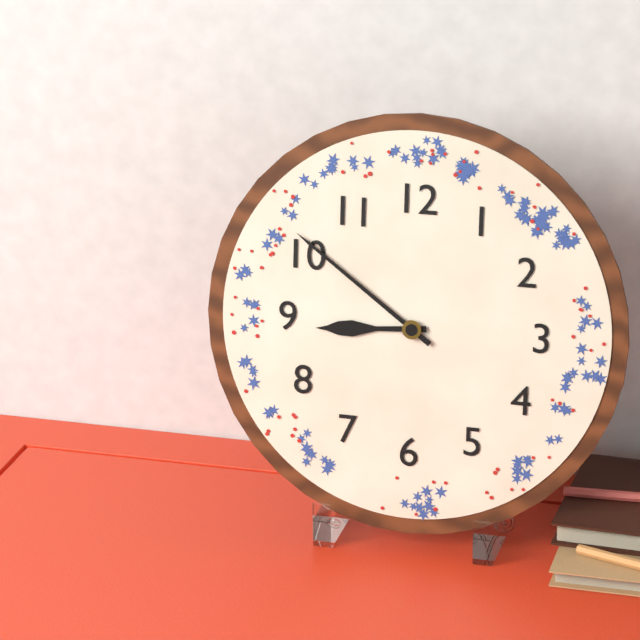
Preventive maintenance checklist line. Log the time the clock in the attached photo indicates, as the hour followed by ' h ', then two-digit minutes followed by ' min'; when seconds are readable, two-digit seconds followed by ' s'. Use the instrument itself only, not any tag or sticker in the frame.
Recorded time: 8 h 51 min
